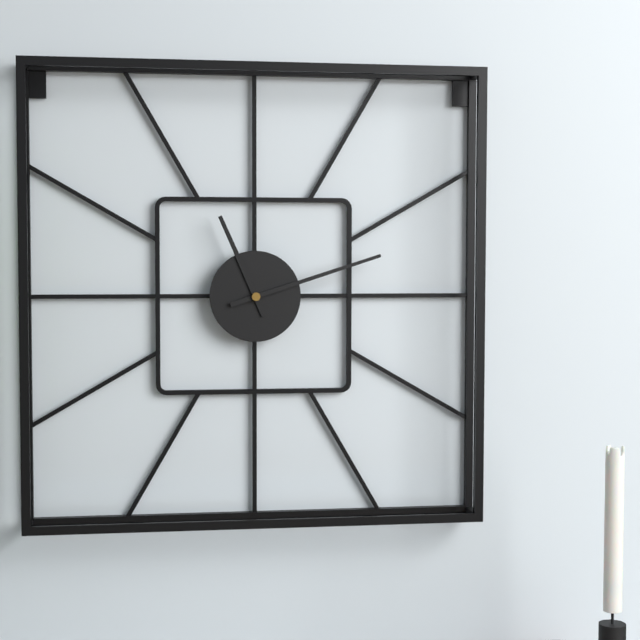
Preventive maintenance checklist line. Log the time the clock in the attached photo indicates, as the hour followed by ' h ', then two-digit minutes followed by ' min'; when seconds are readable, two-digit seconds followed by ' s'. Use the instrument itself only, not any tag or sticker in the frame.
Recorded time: 11 h 12 min
